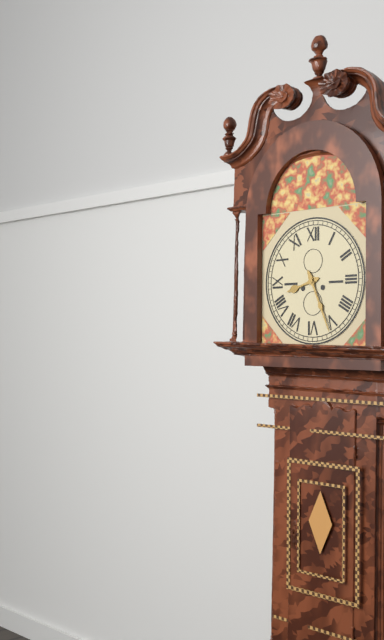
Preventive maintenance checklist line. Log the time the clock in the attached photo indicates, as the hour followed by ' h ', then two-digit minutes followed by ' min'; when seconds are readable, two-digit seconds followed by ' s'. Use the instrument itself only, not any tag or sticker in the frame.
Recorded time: 8 h 26 min
